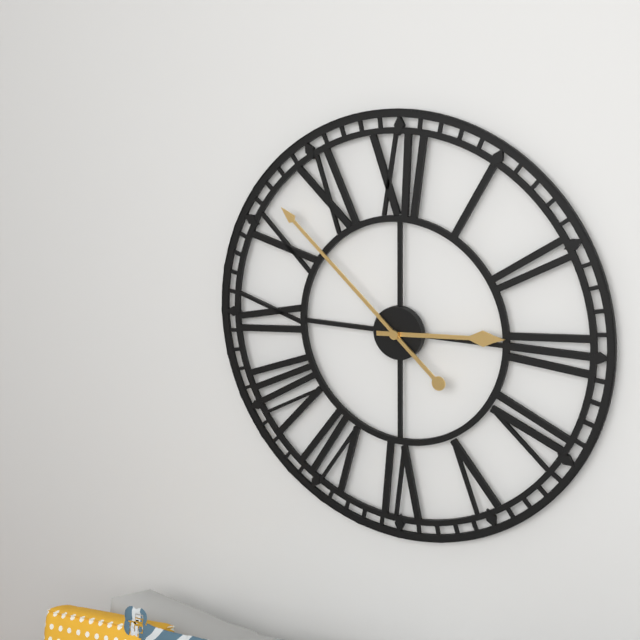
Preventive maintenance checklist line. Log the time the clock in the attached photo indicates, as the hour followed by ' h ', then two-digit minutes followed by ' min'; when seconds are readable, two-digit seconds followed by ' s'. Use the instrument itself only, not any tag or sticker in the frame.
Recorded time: 2 h 52 min
